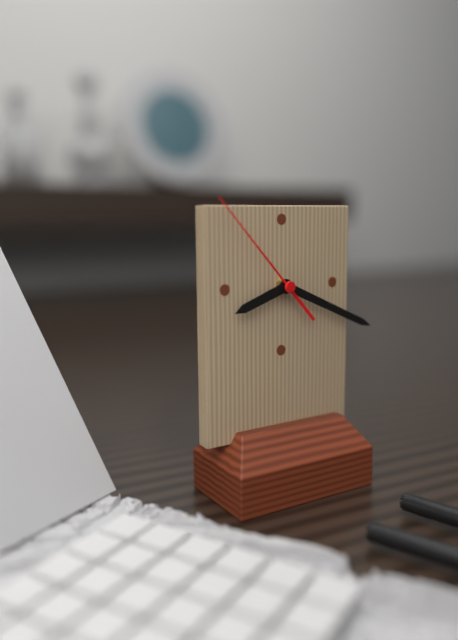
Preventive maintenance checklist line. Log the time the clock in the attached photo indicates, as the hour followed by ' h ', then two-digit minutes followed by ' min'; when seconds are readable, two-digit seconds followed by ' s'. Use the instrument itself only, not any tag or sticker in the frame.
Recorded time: 8 h 19 min 53 s
